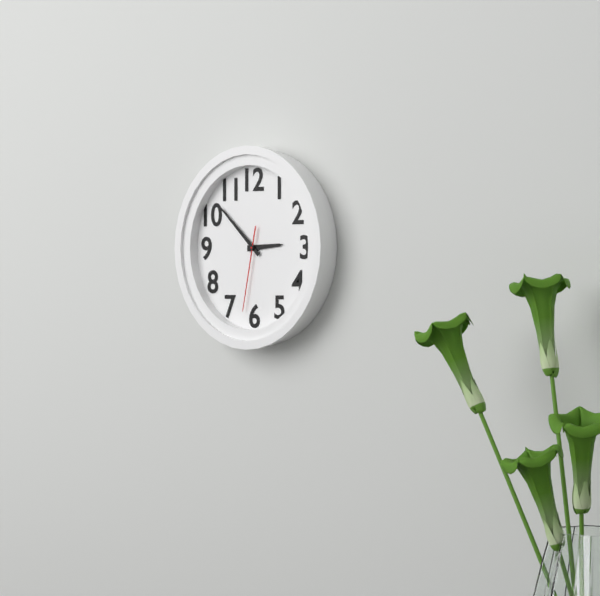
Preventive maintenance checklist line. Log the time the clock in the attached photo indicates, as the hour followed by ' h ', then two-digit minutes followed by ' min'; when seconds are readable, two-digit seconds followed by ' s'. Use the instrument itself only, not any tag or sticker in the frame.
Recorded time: 2 h 52 min 32 s
